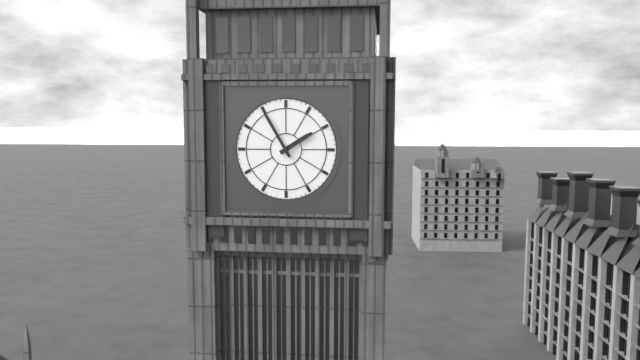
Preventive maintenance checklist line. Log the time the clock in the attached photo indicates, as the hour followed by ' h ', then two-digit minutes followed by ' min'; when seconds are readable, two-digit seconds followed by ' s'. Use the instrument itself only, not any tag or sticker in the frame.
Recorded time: 1 h 55 min
